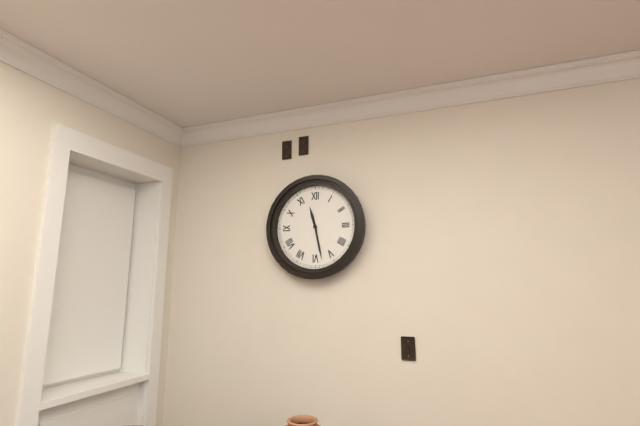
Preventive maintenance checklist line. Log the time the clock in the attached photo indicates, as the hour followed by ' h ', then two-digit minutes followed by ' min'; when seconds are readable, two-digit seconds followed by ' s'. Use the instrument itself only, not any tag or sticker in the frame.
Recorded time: 11 h 28 min
